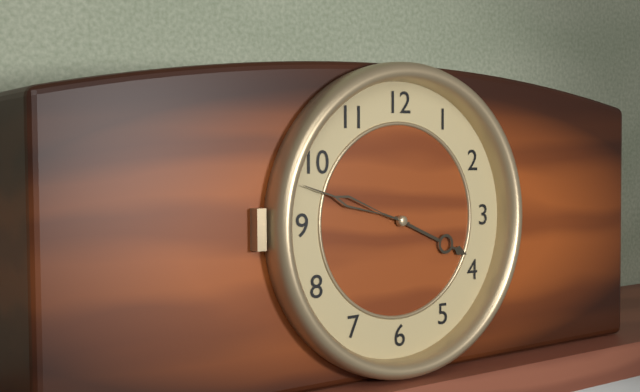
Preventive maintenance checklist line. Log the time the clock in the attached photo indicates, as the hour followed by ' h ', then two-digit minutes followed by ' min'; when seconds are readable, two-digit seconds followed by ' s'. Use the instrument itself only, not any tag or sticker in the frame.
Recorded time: 3 h 48 min
